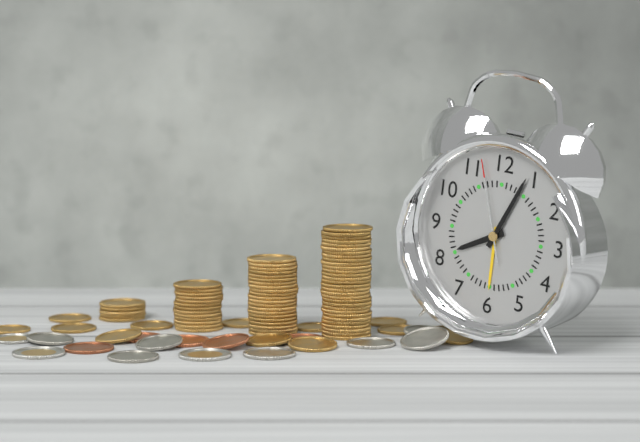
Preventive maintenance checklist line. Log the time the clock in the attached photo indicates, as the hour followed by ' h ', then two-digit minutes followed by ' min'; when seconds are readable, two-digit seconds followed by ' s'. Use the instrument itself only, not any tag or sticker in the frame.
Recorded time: 8 h 04 min 57 s
